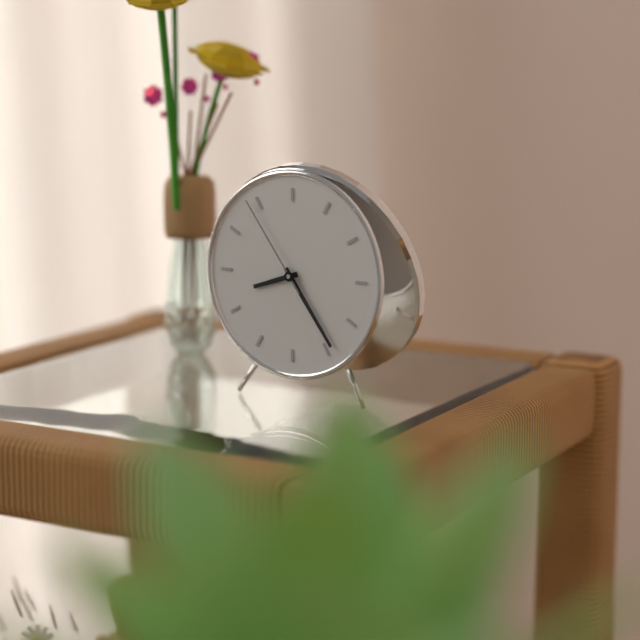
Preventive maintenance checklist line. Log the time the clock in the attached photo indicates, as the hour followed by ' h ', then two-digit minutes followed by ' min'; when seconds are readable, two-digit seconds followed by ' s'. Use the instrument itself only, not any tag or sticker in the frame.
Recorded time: 8 h 24 min 54 s
